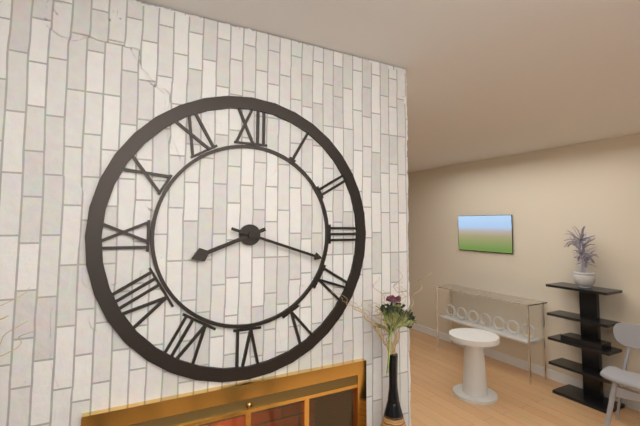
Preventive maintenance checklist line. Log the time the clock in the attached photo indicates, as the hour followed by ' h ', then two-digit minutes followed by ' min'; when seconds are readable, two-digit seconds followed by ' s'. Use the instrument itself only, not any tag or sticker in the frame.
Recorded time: 8 h 18 min
